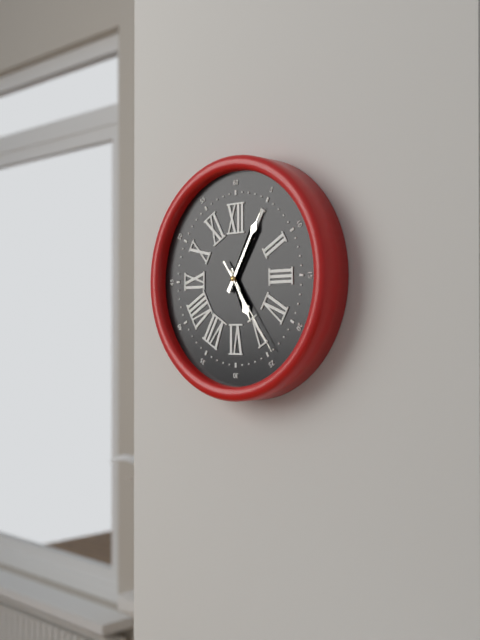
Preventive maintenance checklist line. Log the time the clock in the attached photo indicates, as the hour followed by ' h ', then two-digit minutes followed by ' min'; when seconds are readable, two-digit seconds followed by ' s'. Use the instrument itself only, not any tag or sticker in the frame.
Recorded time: 5 h 05 min 24 s
